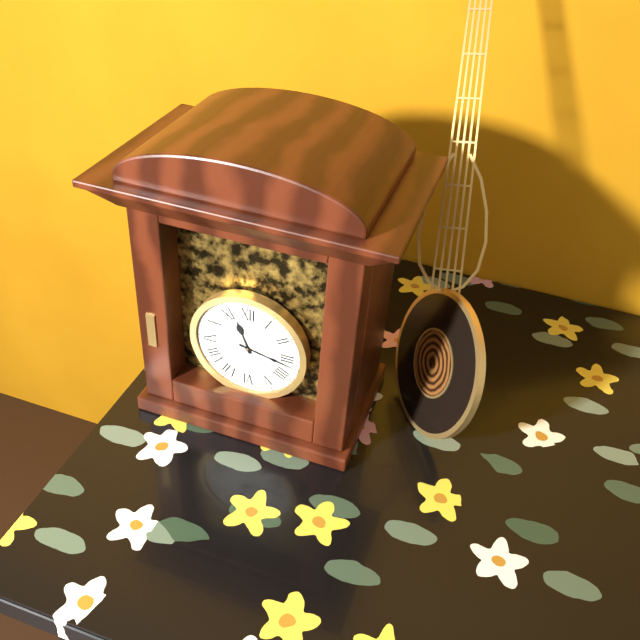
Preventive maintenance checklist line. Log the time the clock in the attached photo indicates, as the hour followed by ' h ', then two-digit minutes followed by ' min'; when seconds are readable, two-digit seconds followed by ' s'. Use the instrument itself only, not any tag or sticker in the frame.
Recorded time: 11 h 17 min
